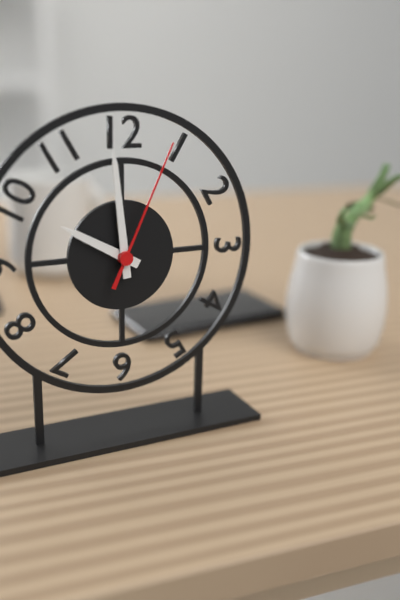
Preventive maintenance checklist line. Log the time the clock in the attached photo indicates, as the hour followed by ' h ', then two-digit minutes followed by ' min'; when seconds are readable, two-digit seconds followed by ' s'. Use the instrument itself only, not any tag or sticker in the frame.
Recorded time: 9 h 59 min 04 s
